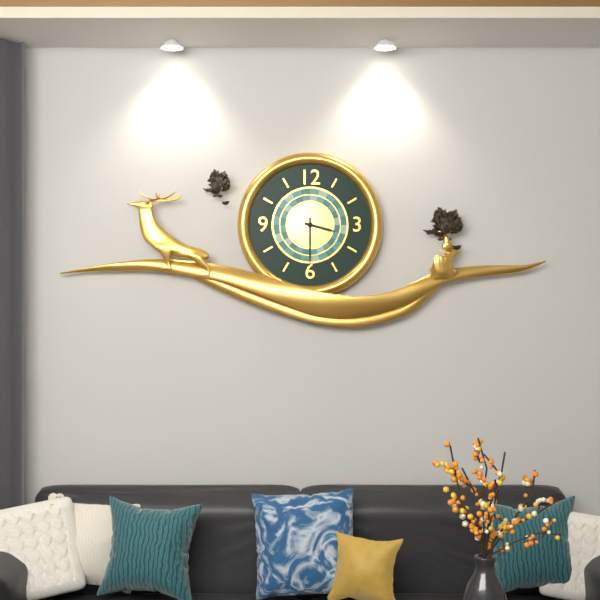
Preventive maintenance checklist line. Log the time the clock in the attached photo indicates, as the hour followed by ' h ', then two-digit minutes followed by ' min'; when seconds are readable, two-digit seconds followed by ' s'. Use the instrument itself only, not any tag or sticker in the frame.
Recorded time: 3 h 30 min
